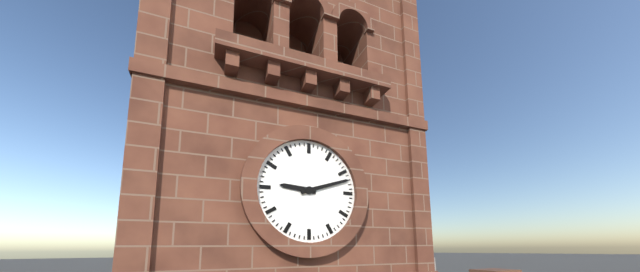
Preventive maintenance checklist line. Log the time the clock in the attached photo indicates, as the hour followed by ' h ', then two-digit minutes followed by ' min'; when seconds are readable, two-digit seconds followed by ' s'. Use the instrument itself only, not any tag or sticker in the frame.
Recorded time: 9 h 12 min
